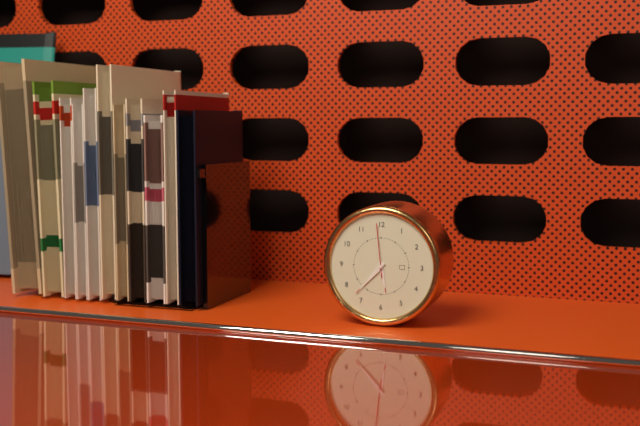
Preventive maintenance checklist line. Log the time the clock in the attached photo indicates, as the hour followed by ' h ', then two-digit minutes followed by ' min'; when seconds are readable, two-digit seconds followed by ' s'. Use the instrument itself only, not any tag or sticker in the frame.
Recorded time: 5 h 37 min 59 s
